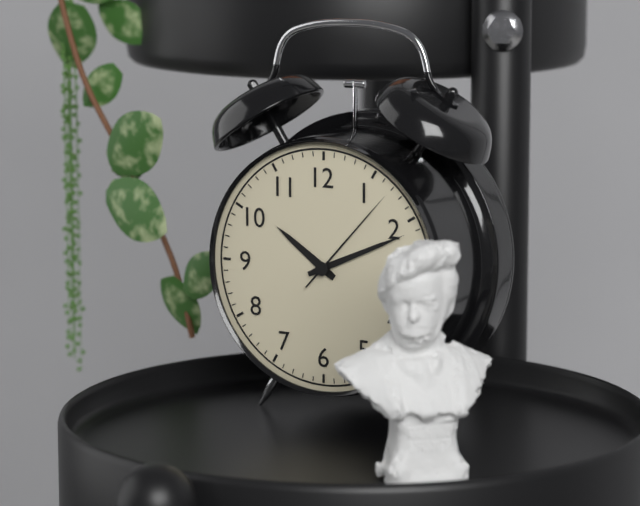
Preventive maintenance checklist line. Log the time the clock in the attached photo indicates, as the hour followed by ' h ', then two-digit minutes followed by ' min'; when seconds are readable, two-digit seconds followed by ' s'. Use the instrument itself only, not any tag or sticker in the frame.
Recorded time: 10 h 11 min 07 s
